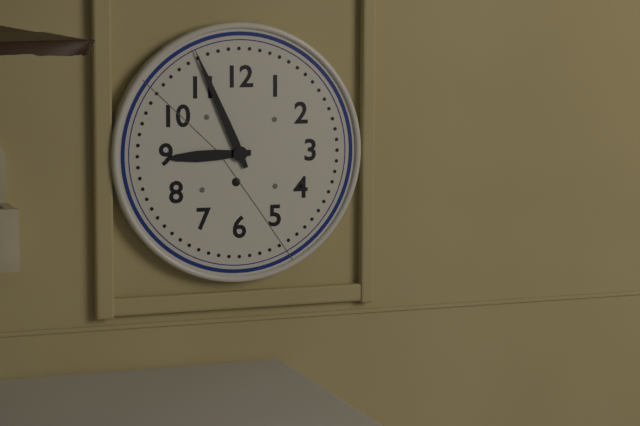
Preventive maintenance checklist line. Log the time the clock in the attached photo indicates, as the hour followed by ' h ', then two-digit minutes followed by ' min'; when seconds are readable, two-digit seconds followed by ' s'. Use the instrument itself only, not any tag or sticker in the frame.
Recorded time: 8 h 56 min
